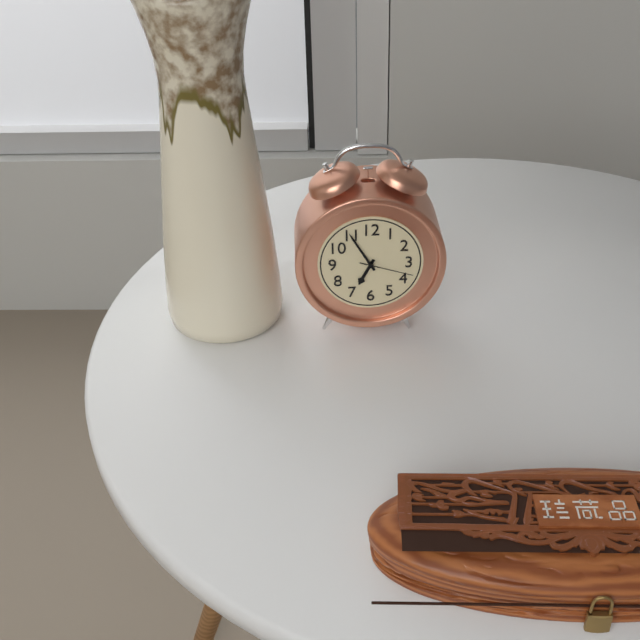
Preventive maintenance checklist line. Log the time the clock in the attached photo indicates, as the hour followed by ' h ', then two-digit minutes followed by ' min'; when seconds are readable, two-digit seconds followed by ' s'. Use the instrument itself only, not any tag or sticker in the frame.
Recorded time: 6 h 55 min 18 s
